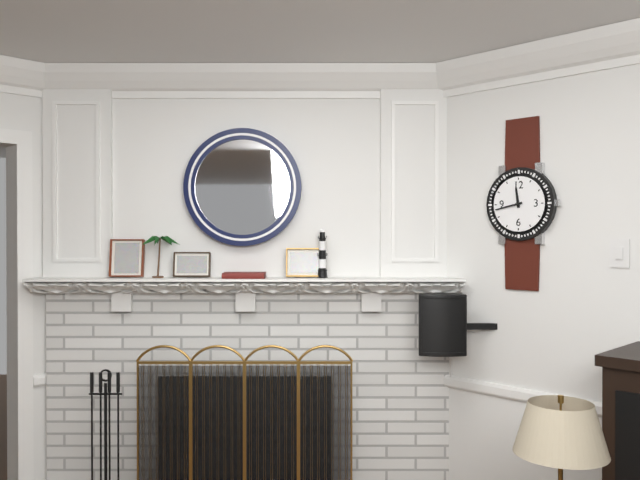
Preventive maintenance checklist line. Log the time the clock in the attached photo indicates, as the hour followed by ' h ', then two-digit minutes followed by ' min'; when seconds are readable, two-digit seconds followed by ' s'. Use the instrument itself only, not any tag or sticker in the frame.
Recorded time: 11 h 43 min
